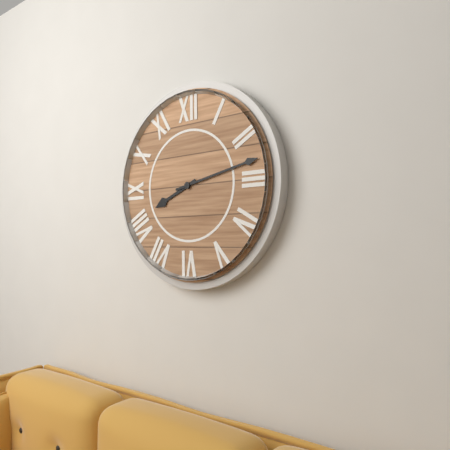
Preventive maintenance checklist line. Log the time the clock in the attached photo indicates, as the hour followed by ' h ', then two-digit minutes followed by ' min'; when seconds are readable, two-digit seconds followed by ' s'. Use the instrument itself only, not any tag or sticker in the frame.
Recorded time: 8 h 13 min
